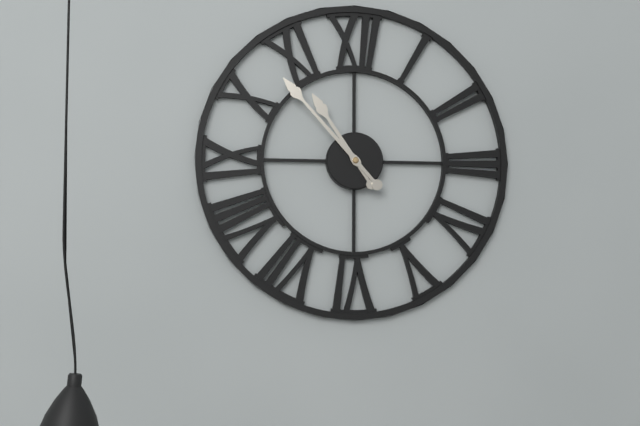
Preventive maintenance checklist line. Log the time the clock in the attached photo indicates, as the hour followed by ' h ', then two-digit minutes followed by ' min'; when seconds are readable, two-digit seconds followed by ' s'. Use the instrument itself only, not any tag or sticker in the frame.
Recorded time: 10 h 53 min
